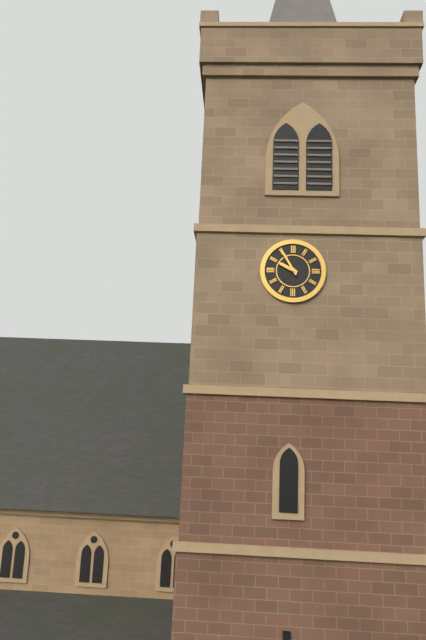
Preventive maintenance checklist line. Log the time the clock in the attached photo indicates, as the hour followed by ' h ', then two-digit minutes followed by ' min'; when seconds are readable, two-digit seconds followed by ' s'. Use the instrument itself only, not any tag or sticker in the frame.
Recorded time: 9 h 55 min
